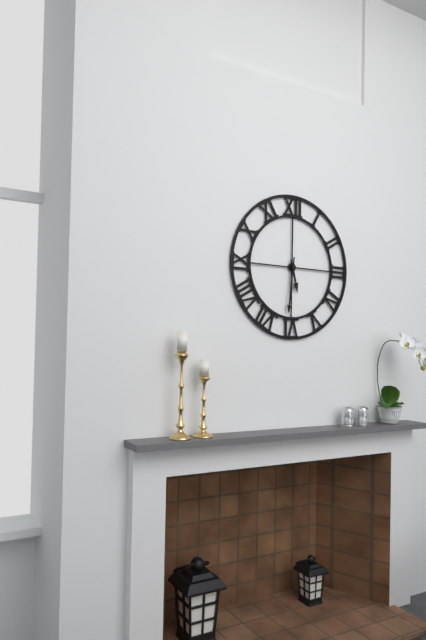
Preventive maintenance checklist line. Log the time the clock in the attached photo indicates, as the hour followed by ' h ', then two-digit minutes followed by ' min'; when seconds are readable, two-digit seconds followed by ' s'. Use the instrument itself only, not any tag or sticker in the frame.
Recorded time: 5 h 31 min
